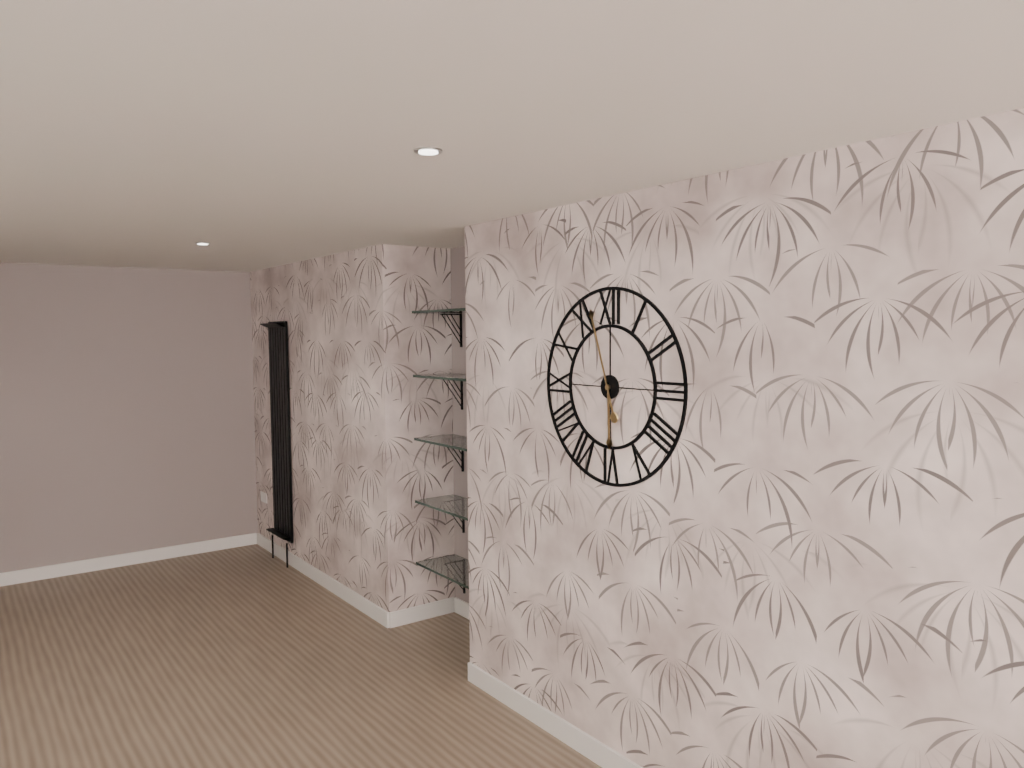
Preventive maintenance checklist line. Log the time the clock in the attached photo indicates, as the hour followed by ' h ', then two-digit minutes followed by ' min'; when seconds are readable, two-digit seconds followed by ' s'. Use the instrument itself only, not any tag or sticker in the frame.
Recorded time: 5 h 57 min
